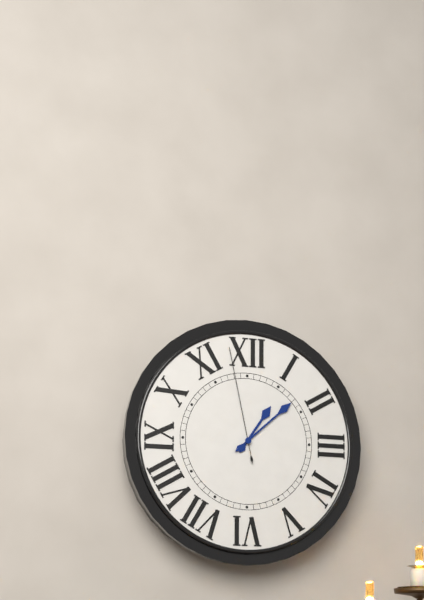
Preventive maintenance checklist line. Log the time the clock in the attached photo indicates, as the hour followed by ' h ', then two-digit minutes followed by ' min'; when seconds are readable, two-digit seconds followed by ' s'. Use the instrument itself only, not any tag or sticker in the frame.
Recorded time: 1 h 08 min 58 s
